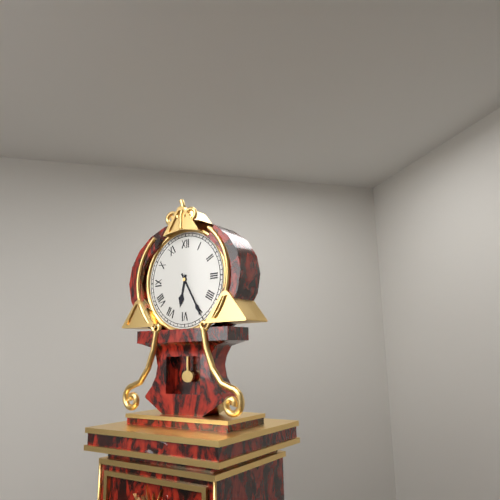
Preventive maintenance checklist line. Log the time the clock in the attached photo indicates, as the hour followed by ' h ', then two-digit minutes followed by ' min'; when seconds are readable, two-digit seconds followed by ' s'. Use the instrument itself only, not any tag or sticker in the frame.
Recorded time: 6 h 25 min
